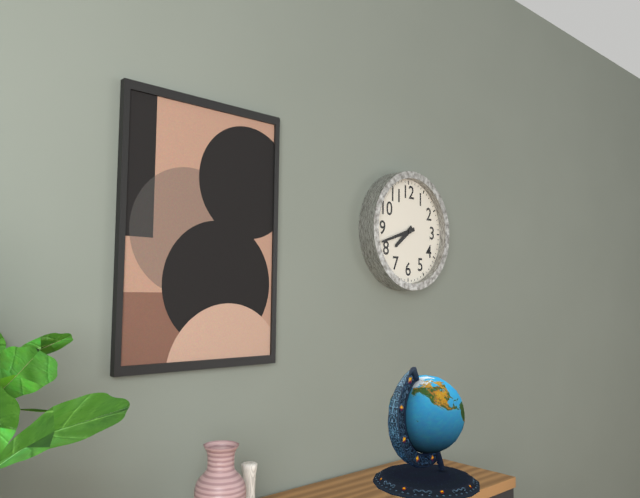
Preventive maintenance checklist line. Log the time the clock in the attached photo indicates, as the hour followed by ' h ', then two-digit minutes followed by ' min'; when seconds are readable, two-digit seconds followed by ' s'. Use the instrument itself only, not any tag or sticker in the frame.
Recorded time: 7 h 42 min
